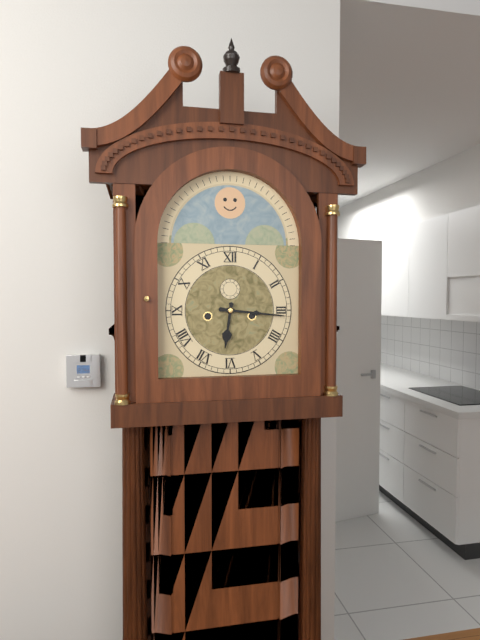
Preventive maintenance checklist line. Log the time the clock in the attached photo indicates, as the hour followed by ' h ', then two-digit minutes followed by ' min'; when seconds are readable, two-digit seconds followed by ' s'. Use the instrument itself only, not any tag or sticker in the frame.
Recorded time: 6 h 16 min
